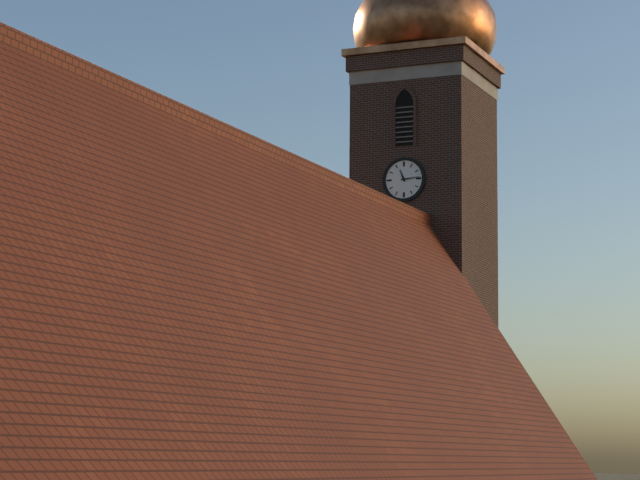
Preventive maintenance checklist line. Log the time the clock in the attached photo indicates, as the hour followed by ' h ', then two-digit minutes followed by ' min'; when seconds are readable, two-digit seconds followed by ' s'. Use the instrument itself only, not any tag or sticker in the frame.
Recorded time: 11 h 14 min
